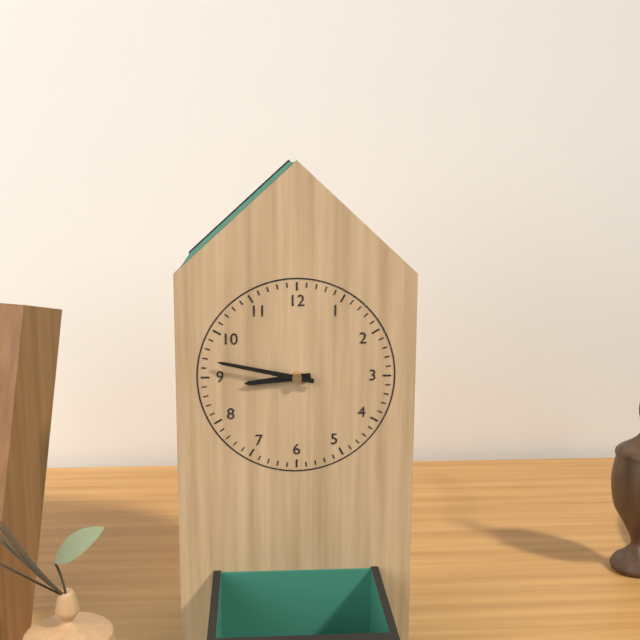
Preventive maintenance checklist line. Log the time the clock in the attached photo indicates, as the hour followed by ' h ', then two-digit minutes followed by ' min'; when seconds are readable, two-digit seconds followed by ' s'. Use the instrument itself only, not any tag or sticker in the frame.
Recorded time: 8 h 47 min
